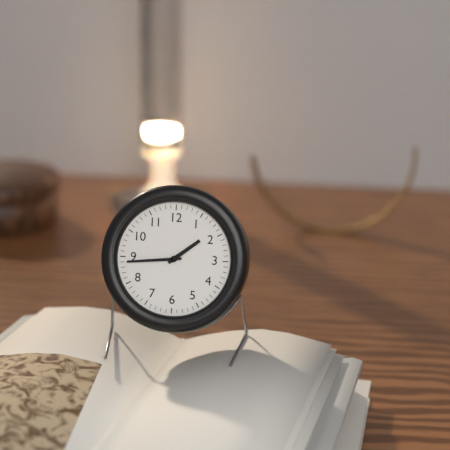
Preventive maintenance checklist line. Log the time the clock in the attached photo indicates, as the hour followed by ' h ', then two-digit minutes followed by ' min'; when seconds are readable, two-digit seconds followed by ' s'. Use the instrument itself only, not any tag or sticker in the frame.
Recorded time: 1 h 44 min
